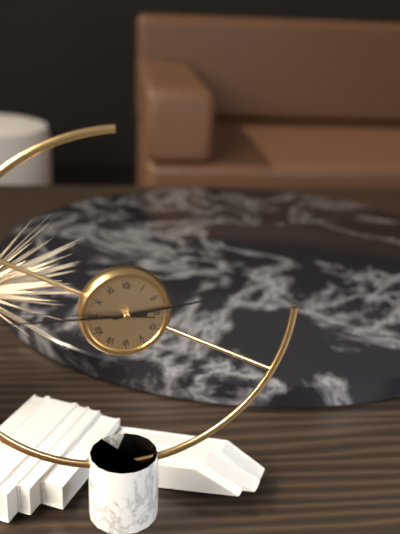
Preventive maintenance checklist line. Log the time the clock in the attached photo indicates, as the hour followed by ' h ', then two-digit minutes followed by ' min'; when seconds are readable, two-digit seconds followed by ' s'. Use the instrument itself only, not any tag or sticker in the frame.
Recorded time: 2 h 45 min 46 s
